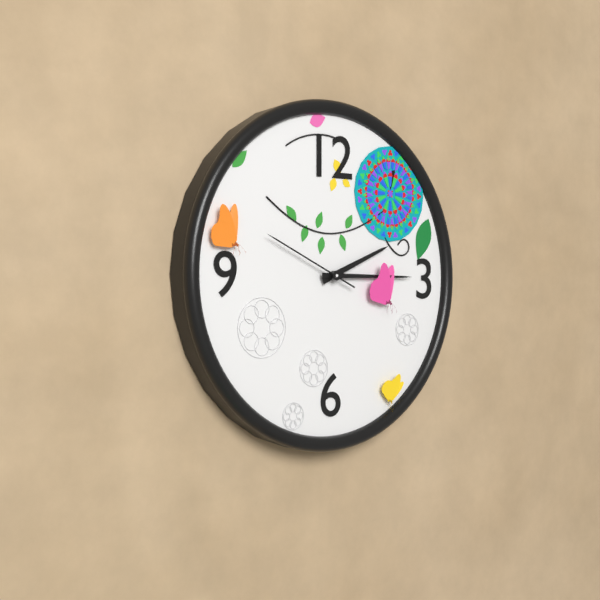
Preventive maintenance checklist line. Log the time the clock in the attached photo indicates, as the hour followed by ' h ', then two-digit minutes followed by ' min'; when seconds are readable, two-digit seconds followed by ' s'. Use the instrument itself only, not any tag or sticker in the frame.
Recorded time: 2 h 15 min 49 s
